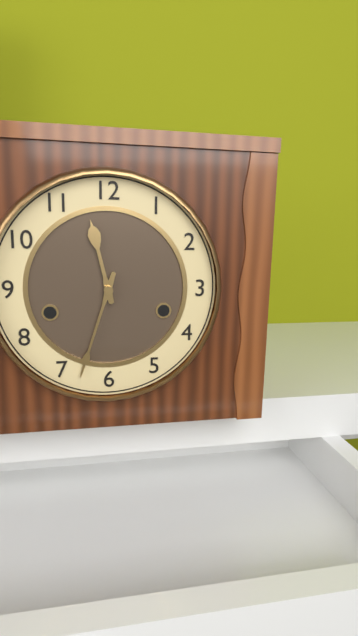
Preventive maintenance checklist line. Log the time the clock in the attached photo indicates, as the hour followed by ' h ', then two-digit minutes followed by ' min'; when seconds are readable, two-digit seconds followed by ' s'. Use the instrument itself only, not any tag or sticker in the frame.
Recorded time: 11 h 33 min
